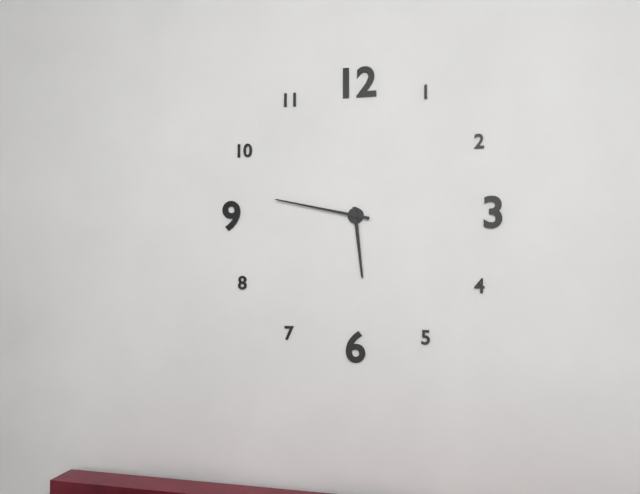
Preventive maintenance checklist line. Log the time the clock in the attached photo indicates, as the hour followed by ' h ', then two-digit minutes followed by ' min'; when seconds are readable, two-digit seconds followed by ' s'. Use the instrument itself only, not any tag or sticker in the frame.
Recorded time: 5 h 47 min
